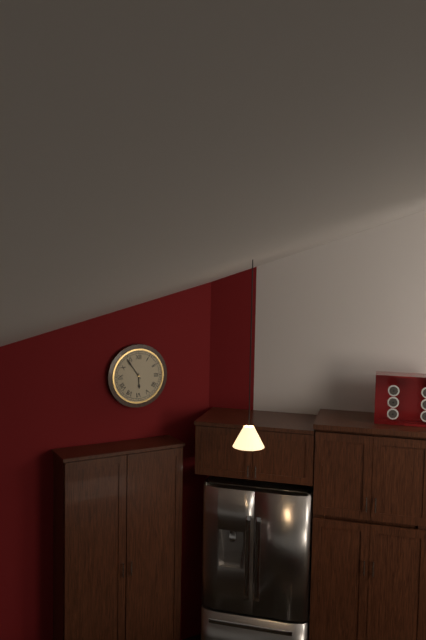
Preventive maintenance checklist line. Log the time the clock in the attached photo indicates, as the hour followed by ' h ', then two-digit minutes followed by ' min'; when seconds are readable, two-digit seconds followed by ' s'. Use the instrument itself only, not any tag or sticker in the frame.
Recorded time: 5 h 54 min
